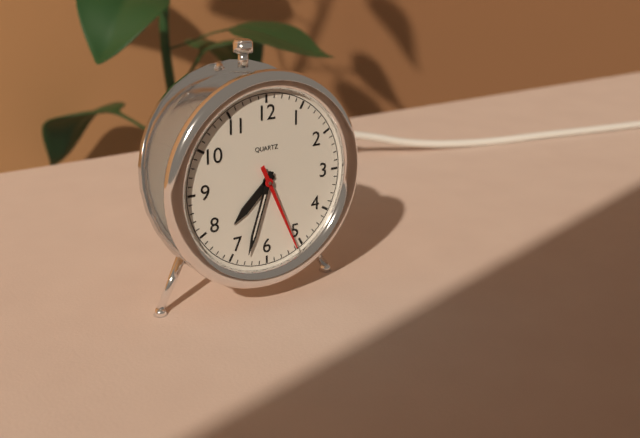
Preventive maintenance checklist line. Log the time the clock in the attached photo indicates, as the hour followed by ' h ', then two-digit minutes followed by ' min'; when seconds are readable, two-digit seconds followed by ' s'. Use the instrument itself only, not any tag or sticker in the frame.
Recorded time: 7 h 33 min 26 s
